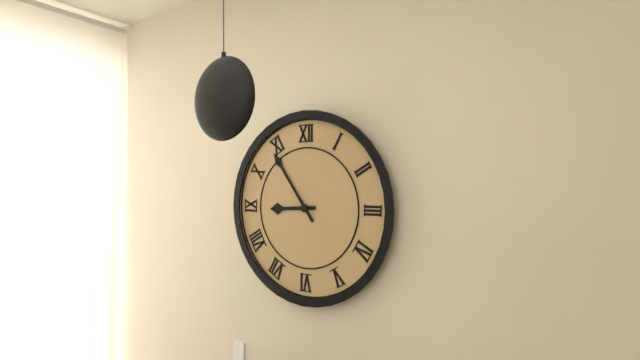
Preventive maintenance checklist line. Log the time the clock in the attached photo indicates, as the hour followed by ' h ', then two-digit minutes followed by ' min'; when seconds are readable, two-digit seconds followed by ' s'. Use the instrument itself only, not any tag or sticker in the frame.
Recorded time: 8 h 54 min
